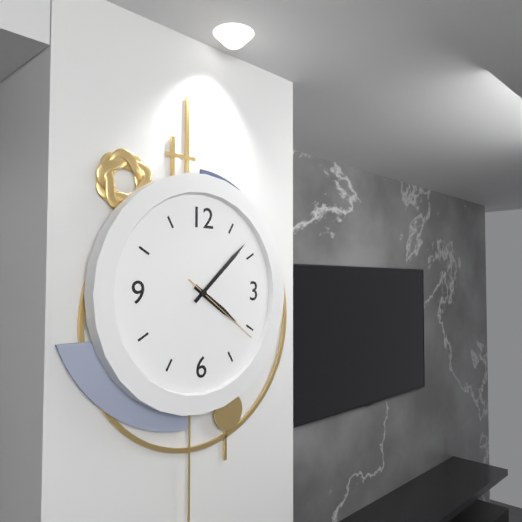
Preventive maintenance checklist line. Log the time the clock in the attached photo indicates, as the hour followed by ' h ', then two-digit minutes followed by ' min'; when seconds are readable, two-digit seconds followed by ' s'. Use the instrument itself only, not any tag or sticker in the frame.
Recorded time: 4 h 08 min 21 s
